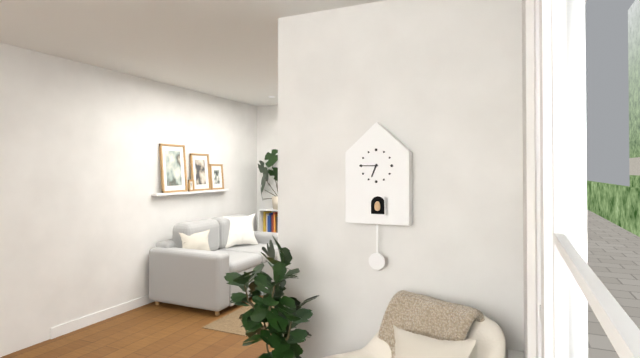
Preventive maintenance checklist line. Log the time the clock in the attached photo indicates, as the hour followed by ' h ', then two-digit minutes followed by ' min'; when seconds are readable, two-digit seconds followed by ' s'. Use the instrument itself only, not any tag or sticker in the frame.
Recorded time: 6 h 45 min
